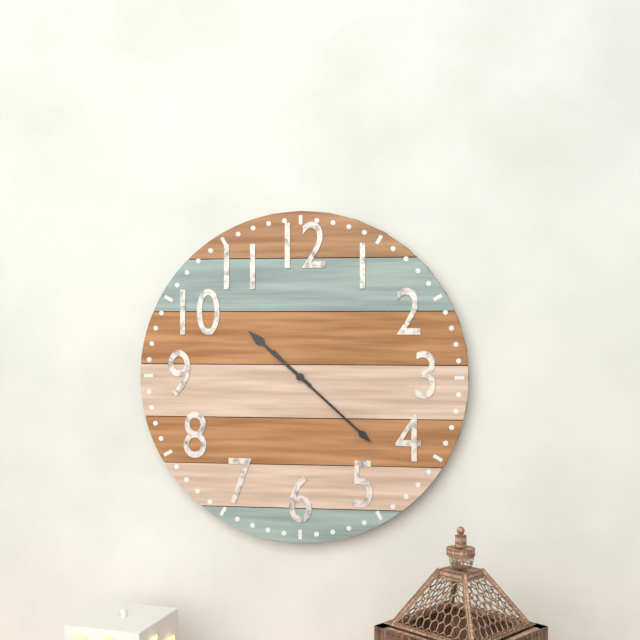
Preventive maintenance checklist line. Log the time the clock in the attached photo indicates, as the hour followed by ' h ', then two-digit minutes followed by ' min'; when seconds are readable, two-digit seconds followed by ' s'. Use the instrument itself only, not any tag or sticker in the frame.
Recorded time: 10 h 22 min
